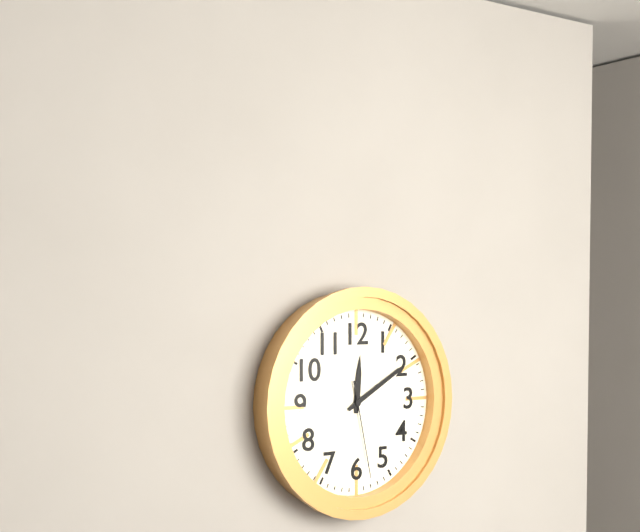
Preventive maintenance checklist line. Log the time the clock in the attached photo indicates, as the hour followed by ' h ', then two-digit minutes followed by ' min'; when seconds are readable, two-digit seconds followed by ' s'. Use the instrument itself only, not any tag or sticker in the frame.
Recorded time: 12 h 10 min 28 s
